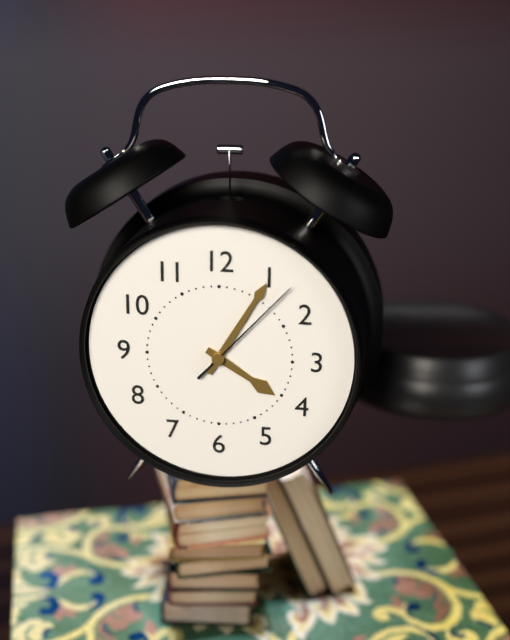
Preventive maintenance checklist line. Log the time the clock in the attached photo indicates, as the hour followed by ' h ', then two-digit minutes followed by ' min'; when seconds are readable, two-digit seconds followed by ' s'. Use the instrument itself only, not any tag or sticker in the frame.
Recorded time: 4 h 05 min 07 s
